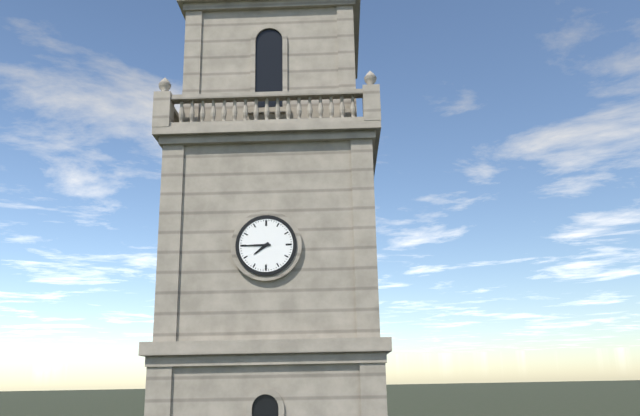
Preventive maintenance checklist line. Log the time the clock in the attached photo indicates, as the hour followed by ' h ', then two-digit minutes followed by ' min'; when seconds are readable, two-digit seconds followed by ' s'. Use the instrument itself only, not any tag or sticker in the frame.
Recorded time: 7 h 45 min
